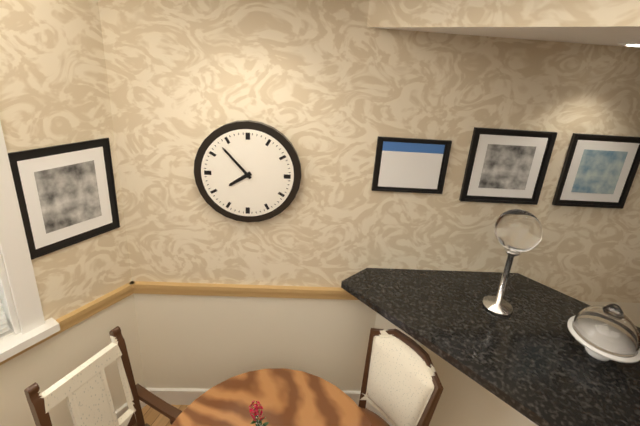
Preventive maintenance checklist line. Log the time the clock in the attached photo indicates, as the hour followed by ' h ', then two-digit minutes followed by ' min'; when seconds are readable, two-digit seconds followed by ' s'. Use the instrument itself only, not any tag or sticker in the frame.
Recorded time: 7 h 53 min
